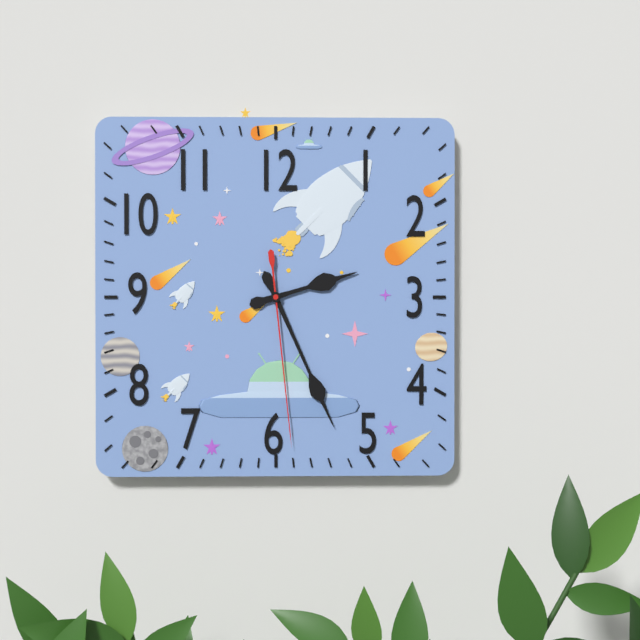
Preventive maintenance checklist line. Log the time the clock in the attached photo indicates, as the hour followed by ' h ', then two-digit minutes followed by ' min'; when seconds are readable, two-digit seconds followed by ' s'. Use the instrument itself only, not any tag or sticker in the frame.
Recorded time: 2 h 26 min 29 s
